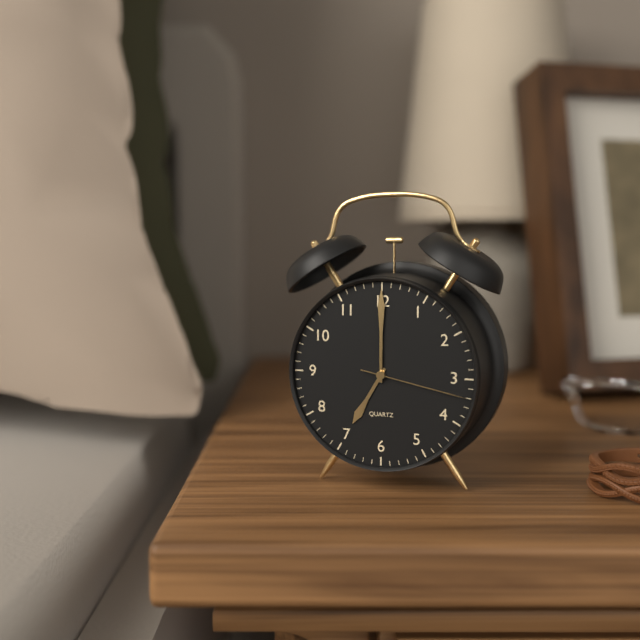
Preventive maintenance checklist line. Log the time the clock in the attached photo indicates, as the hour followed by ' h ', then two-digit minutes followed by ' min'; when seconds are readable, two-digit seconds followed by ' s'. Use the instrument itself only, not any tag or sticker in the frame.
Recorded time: 7 h 00 min 17 s
